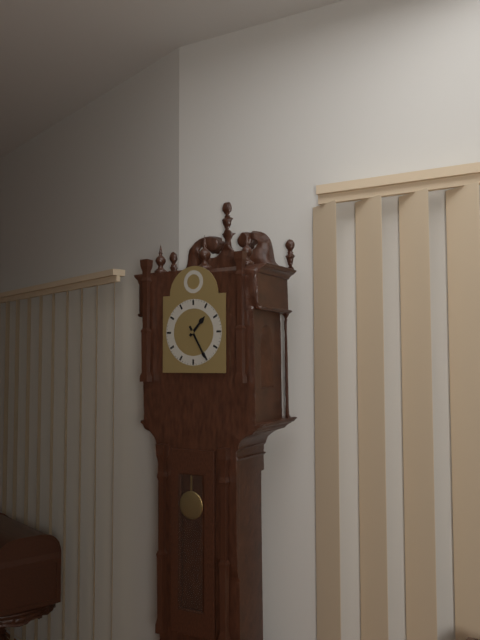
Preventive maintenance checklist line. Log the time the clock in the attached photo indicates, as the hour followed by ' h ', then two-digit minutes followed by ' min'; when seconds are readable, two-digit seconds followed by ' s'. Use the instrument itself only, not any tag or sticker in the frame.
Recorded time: 1 h 25 min
